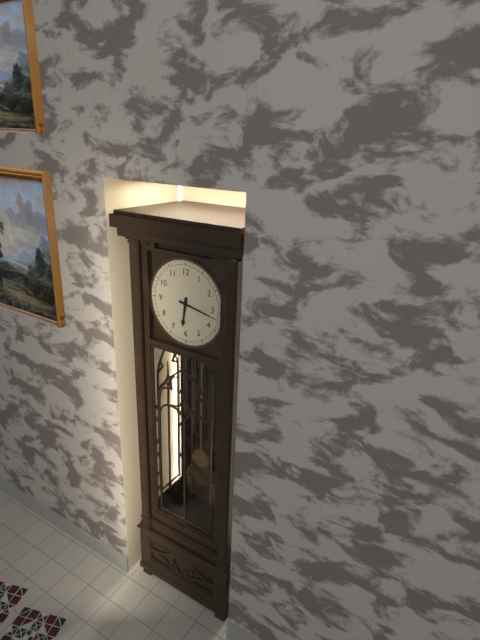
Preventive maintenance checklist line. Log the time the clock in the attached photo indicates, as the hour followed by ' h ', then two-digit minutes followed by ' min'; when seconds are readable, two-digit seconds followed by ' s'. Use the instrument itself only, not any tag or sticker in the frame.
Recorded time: 6 h 17 min
